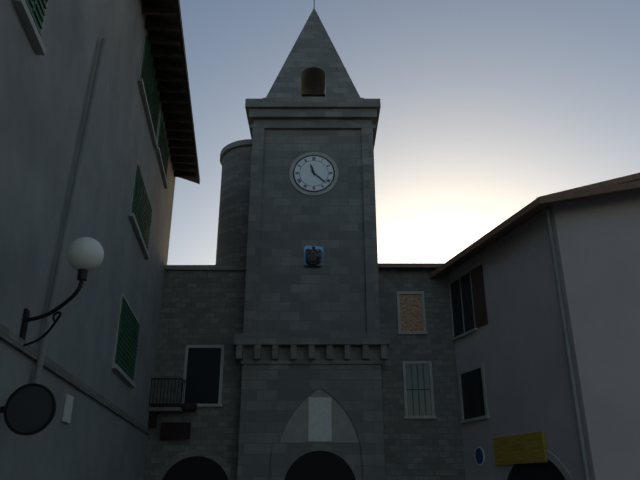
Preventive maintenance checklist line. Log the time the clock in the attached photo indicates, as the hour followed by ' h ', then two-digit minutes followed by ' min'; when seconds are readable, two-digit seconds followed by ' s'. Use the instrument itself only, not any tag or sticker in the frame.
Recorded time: 11 h 22 min
